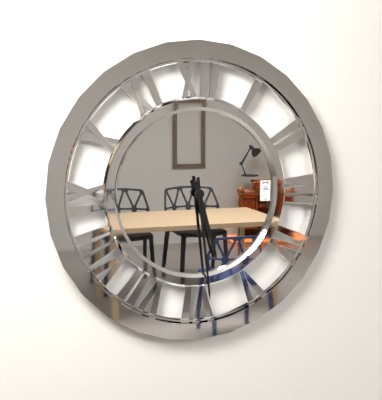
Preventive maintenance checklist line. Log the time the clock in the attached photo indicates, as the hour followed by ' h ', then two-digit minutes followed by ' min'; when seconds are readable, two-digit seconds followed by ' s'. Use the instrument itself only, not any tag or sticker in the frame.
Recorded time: 5 h 29 min
